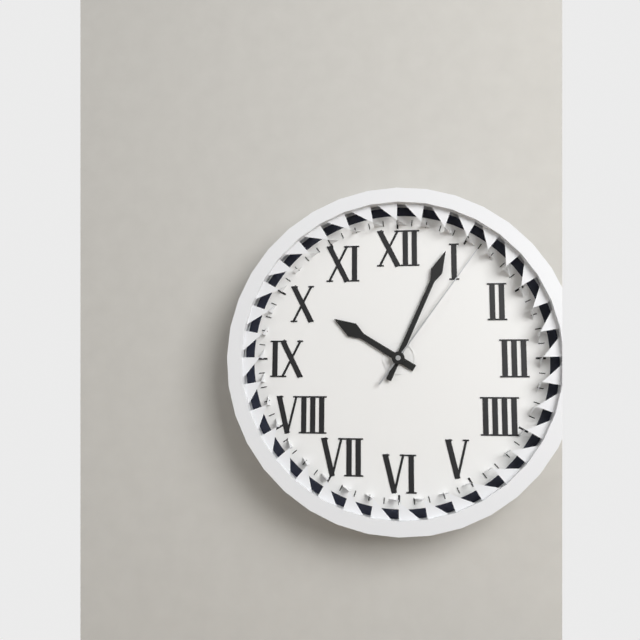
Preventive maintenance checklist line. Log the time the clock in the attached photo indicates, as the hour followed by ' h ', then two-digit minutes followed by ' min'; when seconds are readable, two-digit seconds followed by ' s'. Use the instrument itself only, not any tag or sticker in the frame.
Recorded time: 10 h 04 min 06 s
